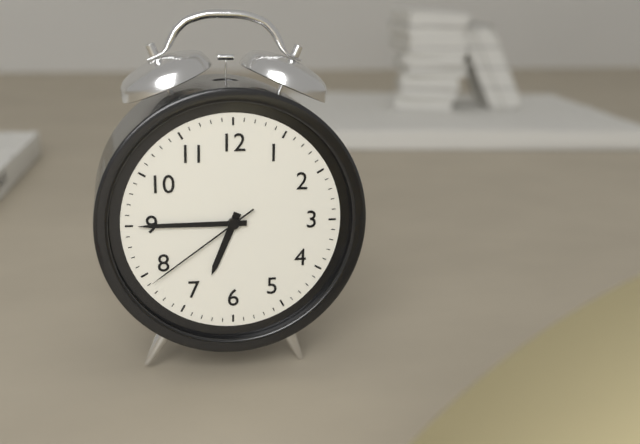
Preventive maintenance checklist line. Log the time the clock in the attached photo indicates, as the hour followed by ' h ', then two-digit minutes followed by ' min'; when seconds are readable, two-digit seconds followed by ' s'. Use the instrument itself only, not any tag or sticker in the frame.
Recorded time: 6 h 45 min 39 s
